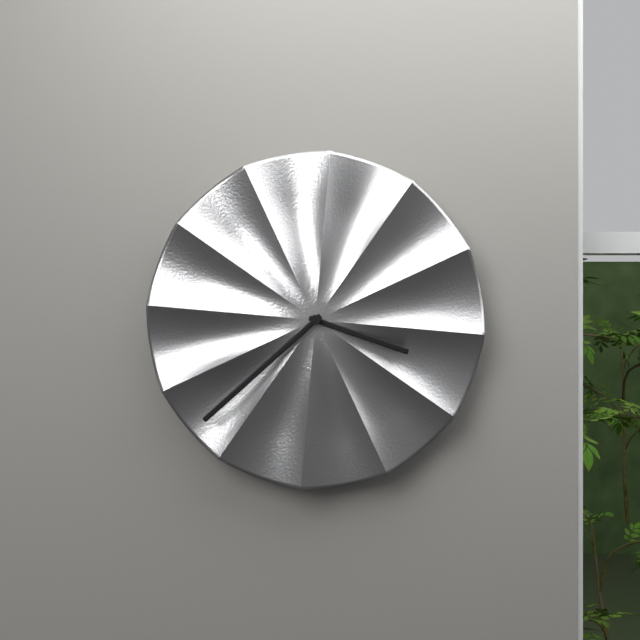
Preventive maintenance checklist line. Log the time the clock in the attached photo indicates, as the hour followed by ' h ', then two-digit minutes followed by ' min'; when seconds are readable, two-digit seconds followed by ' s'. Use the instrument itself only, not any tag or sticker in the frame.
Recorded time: 3 h 38 min
